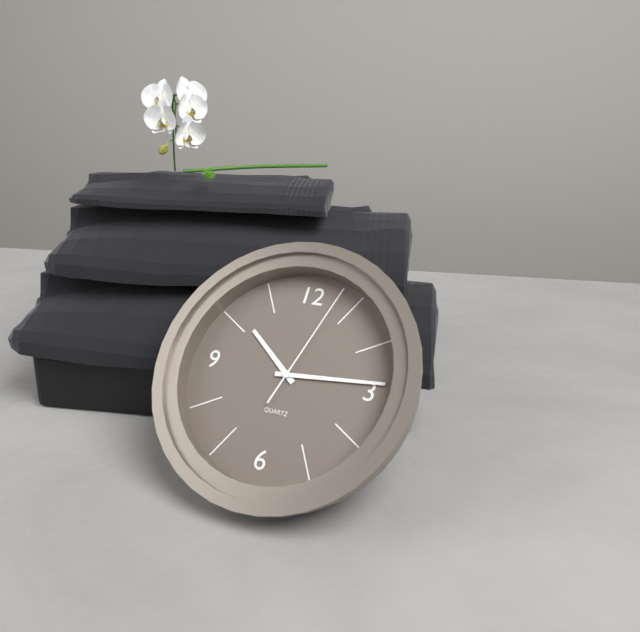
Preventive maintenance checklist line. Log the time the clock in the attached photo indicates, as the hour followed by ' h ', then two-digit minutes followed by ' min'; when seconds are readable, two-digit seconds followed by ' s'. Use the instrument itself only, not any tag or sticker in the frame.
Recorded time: 10 h 14 min 03 s
